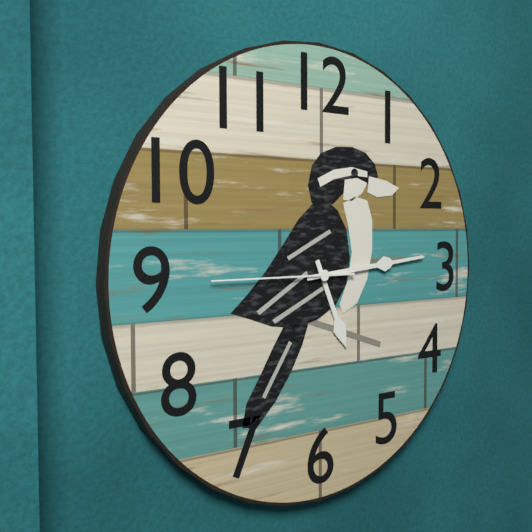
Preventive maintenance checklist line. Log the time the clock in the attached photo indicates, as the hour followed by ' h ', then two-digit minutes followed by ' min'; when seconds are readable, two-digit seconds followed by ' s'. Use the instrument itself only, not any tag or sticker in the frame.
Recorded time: 5 h 14 min 45 s
